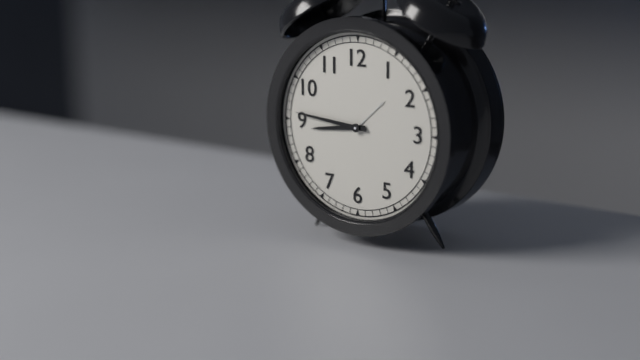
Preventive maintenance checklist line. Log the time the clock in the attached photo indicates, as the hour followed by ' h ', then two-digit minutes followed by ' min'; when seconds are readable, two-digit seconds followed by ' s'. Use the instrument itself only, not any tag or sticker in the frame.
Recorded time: 8 h 46 min
